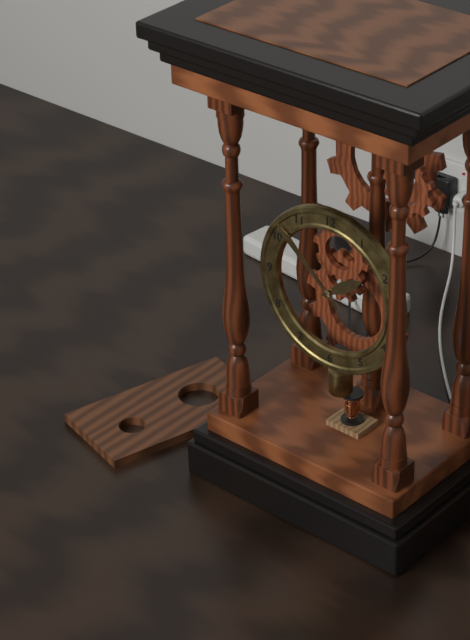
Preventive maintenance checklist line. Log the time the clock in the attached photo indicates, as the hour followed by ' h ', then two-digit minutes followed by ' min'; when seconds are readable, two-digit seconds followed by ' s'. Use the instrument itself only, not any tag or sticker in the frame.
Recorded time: 1 h 52 min
